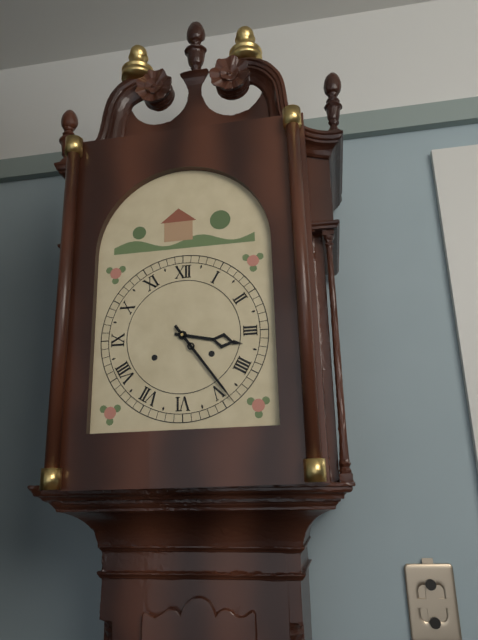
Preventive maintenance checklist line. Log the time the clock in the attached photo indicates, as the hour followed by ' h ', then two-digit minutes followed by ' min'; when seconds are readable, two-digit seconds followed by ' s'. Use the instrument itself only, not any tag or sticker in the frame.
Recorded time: 3 h 24 min
